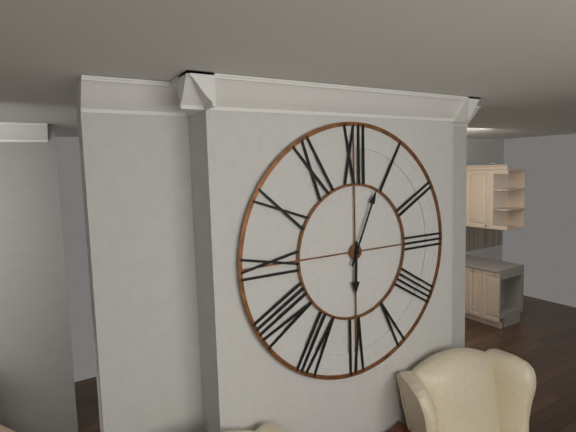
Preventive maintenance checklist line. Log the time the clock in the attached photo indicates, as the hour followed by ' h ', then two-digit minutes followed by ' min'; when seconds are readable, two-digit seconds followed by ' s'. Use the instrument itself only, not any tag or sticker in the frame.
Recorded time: 6 h 04 min
